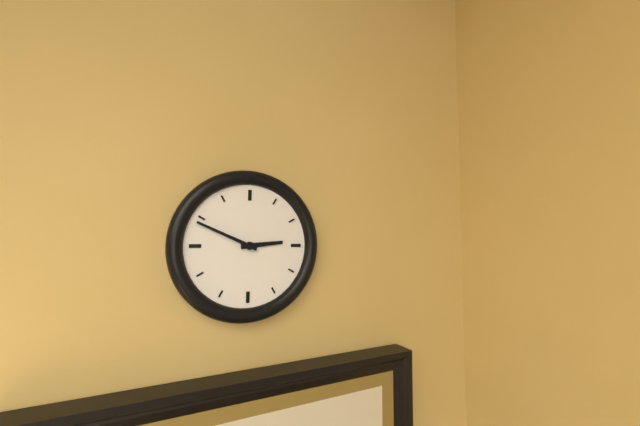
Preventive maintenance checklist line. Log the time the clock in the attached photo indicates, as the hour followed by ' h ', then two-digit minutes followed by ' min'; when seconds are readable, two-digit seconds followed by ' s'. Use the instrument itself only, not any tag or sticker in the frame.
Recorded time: 2 h 49 min
